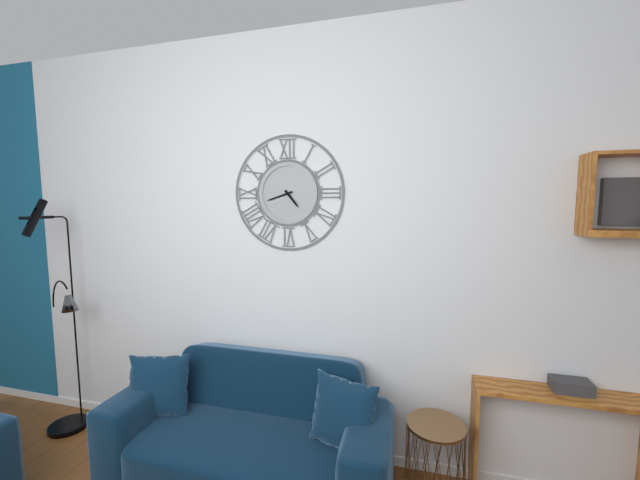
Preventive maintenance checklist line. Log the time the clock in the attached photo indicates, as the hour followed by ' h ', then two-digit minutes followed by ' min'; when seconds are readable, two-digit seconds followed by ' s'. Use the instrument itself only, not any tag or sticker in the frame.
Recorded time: 4 h 42 min
